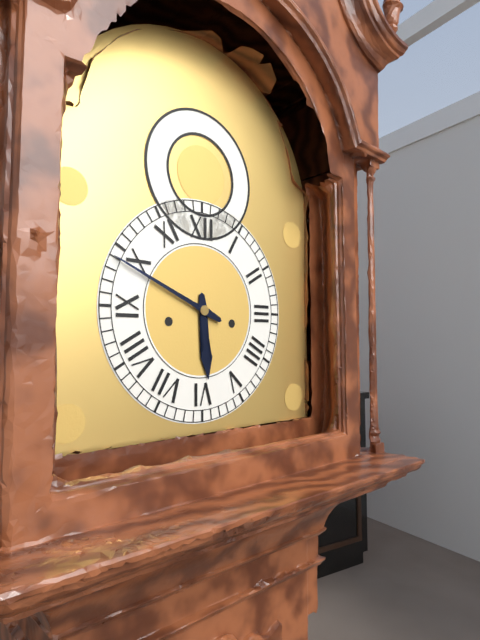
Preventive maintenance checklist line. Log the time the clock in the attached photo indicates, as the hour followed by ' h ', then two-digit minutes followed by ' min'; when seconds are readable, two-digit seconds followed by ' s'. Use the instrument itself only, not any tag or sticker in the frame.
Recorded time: 5 h 49 min
